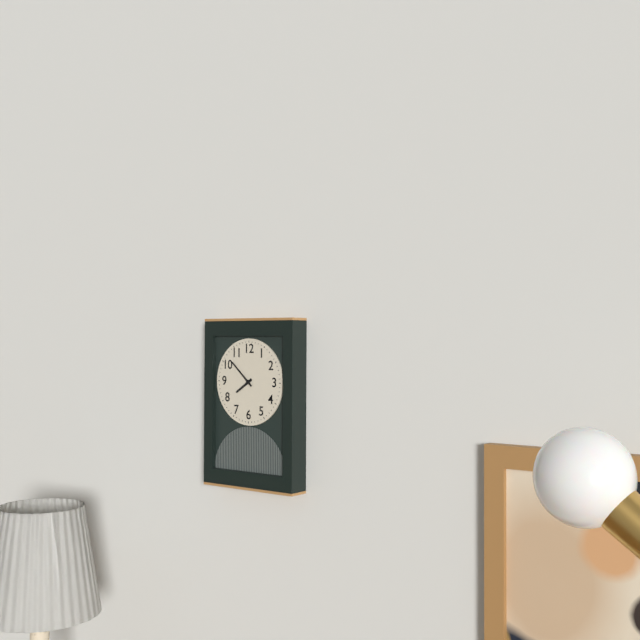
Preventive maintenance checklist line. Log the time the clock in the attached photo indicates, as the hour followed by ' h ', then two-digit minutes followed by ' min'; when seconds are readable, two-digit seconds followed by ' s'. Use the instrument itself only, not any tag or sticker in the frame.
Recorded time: 7 h 52 min
